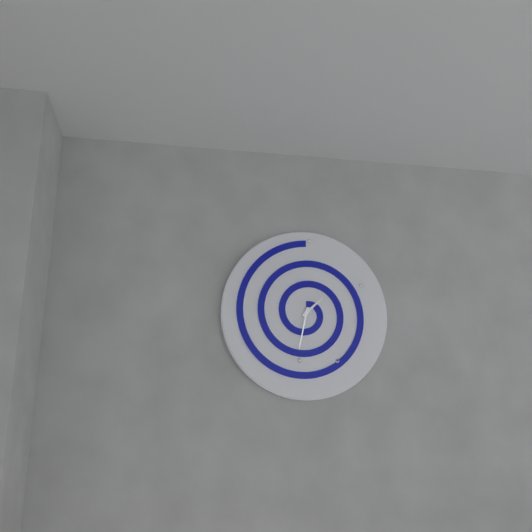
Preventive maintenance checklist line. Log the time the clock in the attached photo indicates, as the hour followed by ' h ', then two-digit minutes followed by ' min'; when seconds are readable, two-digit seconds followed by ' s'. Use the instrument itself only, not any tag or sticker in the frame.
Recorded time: 1 h 32 min
